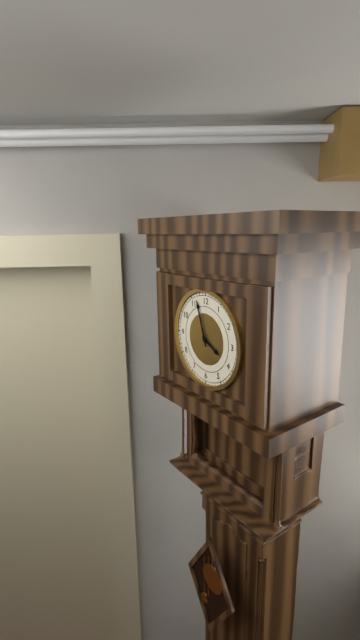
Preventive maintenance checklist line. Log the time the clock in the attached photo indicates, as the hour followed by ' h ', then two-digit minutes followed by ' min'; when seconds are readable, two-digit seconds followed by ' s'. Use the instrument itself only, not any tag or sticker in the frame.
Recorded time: 3 h 57 min
